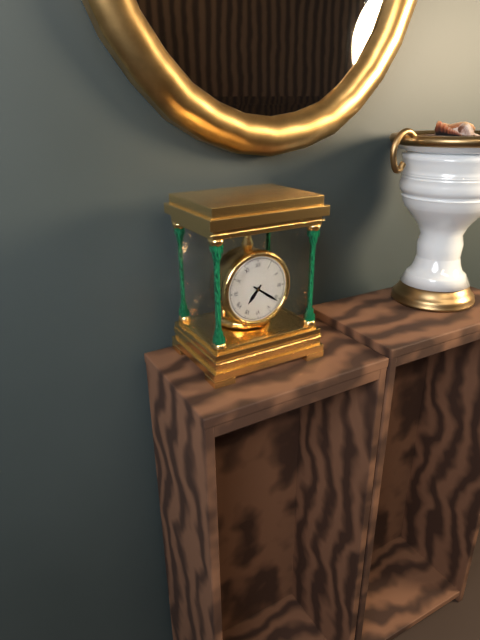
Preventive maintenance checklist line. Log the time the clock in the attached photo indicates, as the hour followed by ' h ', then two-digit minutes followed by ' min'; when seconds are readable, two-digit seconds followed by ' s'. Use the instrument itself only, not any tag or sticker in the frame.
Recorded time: 7 h 21 min
